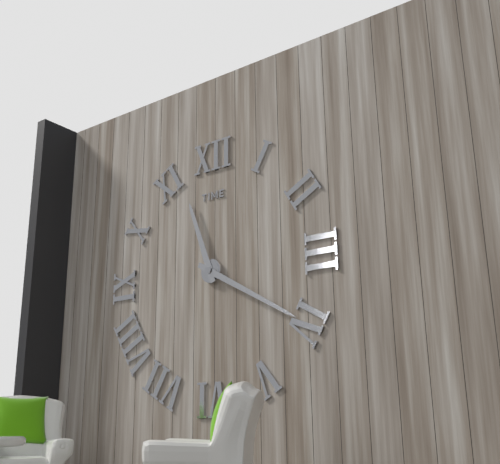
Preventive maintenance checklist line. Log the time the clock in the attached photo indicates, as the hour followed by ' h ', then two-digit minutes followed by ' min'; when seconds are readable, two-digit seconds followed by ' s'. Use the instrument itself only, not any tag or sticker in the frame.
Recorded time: 11 h 20 min
